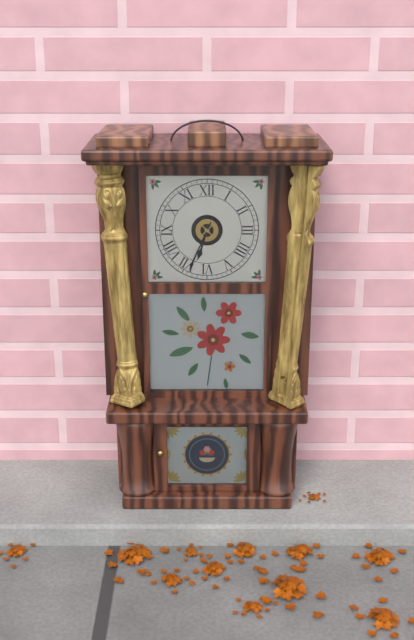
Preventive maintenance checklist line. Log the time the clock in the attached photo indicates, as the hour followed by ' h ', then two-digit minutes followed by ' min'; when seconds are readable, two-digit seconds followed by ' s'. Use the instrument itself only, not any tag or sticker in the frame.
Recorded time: 6 h 34 min
